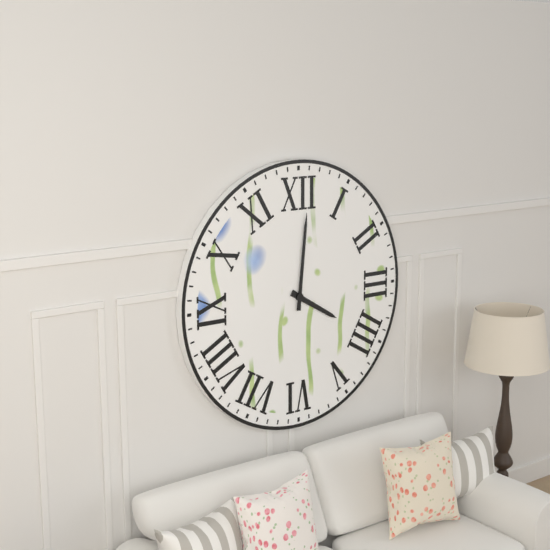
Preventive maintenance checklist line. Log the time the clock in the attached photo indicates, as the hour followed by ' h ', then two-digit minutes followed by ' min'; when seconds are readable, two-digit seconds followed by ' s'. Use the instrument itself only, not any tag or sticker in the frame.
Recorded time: 4 h 01 min
